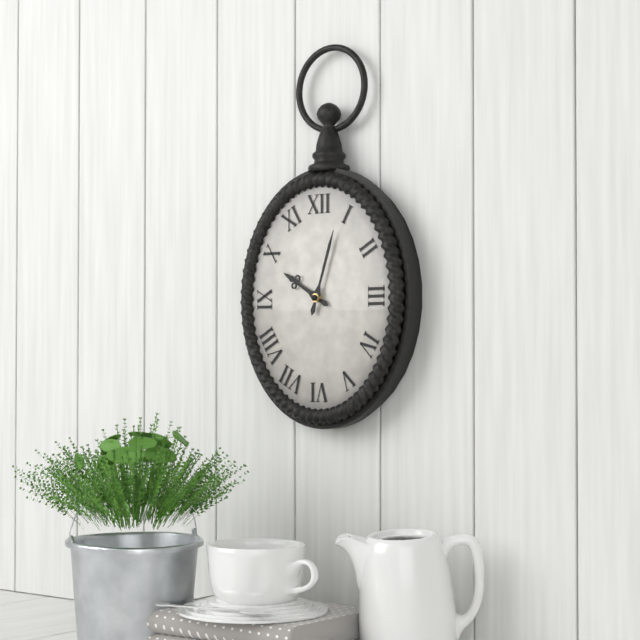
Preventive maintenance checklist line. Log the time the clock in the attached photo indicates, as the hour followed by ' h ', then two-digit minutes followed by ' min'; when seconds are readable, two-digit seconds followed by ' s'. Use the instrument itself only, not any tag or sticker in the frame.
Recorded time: 10 h 03 min
